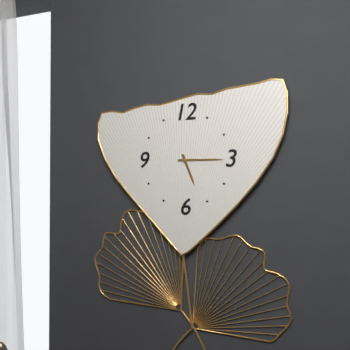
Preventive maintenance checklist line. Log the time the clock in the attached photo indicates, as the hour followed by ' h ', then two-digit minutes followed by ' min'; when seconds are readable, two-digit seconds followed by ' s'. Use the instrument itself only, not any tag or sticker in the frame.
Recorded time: 5 h 15 min
